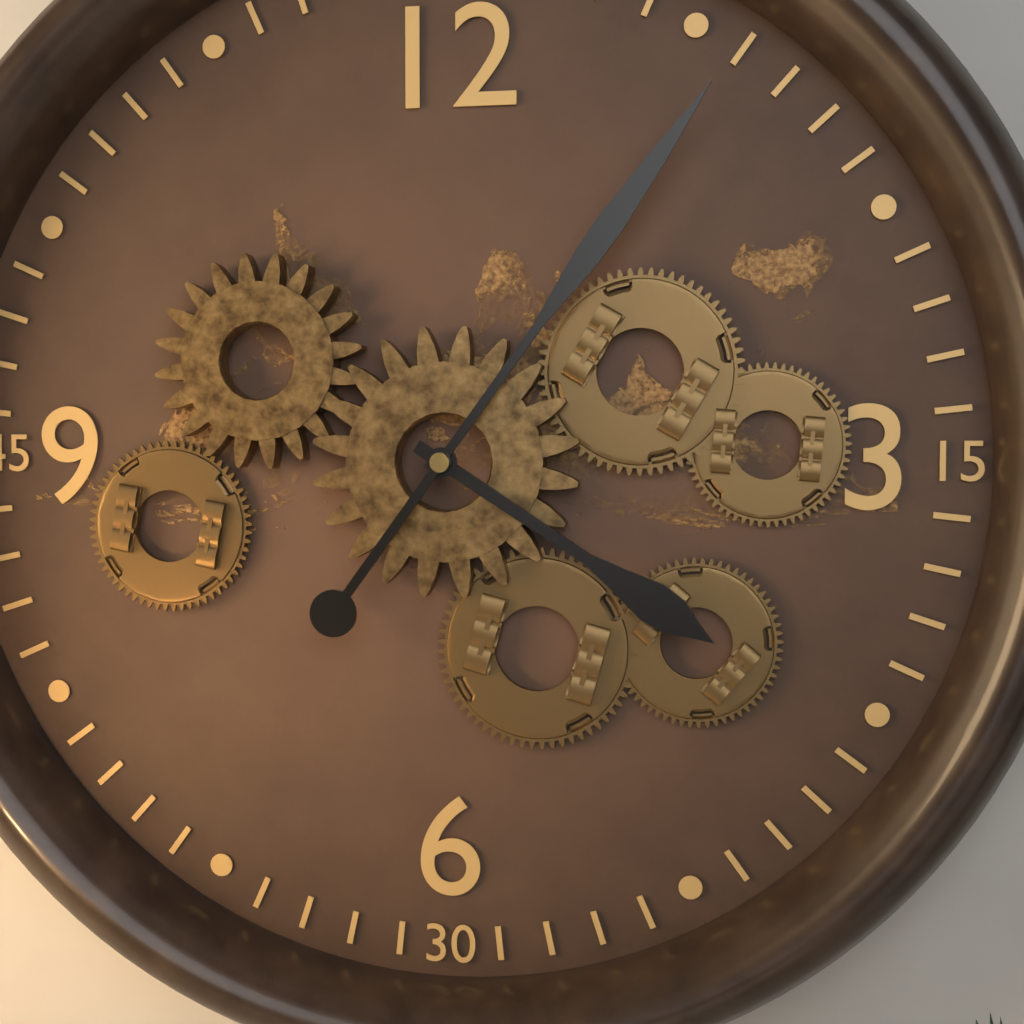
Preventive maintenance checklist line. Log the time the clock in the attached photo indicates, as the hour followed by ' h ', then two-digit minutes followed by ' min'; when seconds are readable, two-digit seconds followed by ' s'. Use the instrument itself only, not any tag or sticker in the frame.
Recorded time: 4 h 06 min
